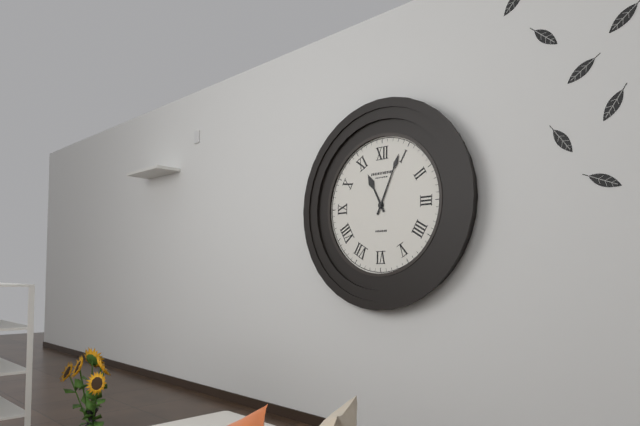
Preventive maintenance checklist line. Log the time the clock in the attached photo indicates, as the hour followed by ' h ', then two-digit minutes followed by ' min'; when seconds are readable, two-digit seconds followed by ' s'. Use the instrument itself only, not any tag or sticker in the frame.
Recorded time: 11 h 04 min
